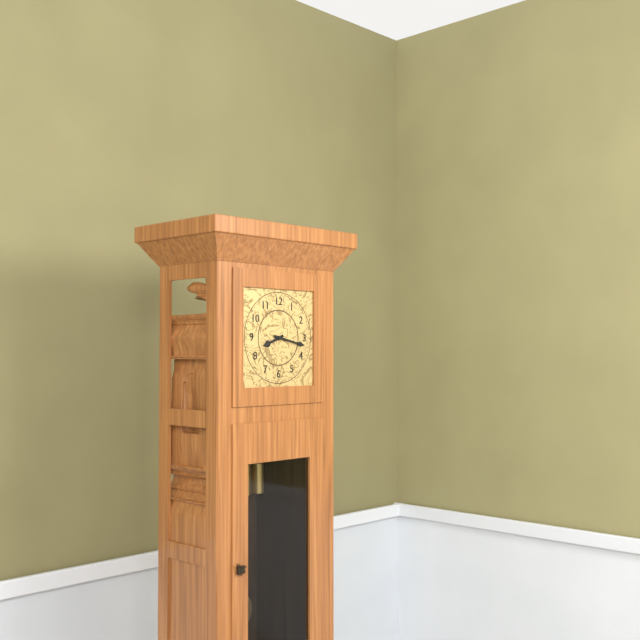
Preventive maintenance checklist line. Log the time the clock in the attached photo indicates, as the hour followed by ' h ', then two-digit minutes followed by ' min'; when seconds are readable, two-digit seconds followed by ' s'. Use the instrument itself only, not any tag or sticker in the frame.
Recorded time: 8 h 17 min
